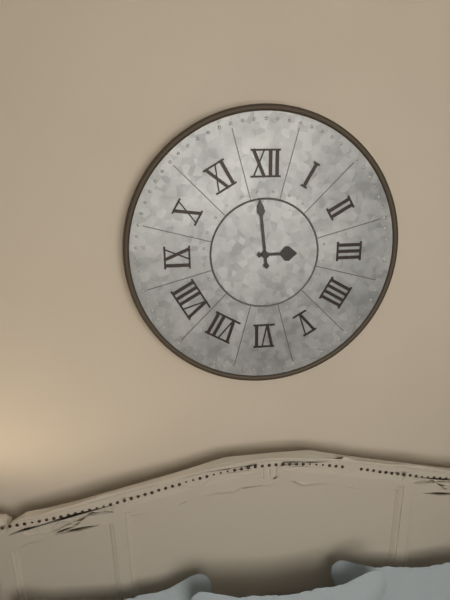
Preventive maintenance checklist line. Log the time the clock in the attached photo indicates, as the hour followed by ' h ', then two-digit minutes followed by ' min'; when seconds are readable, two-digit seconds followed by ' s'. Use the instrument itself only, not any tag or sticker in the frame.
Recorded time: 2 h 59 min
